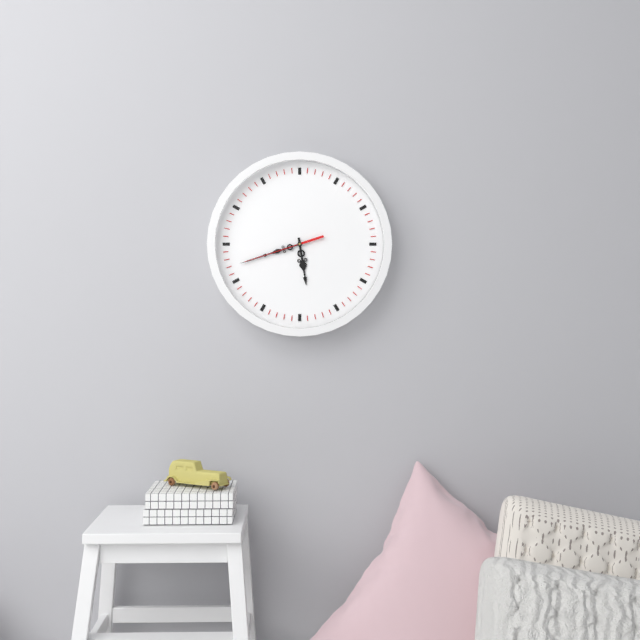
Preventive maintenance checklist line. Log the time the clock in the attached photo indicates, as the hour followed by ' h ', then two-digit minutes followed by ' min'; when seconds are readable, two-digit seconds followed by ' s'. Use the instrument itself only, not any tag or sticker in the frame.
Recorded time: 5 h 42 min 42 s
